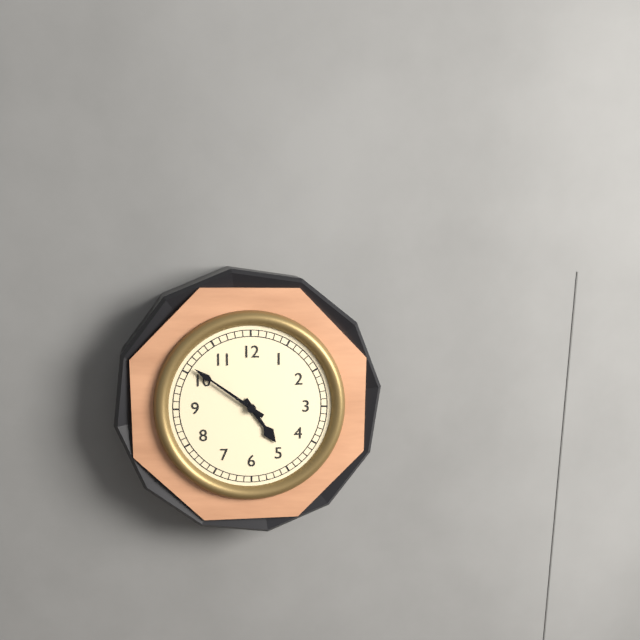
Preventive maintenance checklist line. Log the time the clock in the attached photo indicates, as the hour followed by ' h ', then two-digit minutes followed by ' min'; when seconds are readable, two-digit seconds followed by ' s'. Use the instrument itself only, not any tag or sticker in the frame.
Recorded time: 4 h 51 min
